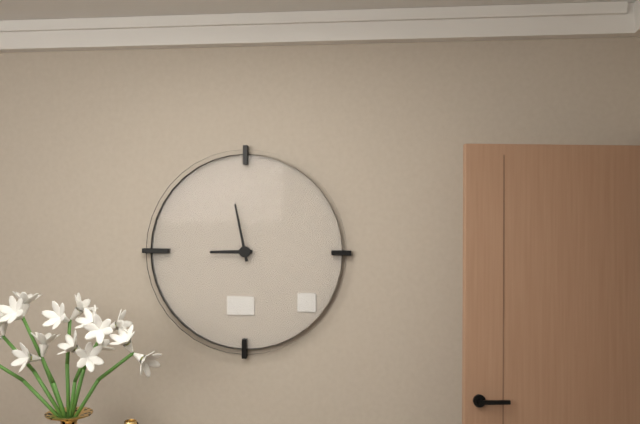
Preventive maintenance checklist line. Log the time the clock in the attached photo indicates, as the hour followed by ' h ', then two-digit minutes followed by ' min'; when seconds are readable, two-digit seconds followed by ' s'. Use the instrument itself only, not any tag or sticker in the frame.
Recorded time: 8 h 58 min
